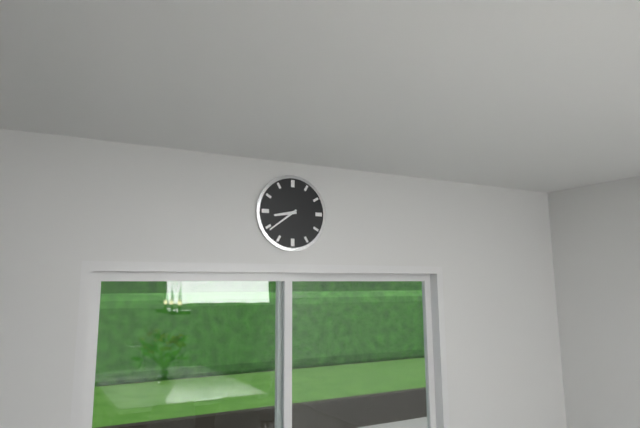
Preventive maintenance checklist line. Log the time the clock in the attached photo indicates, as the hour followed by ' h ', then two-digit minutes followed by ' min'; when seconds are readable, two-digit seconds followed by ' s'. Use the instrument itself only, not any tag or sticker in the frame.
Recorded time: 8 h 39 min
